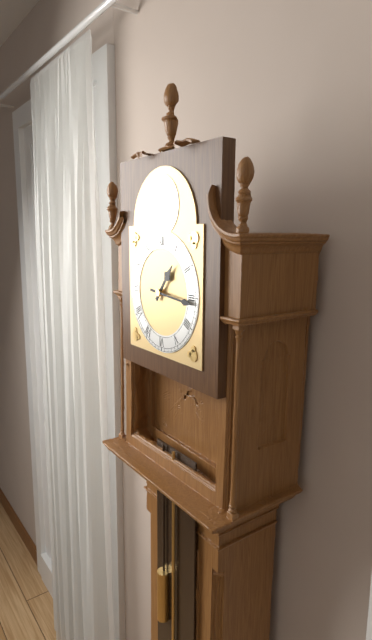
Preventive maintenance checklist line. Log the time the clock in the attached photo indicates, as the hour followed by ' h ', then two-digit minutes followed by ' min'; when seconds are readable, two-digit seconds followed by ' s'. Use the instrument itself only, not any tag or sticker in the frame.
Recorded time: 1 h 16 min
